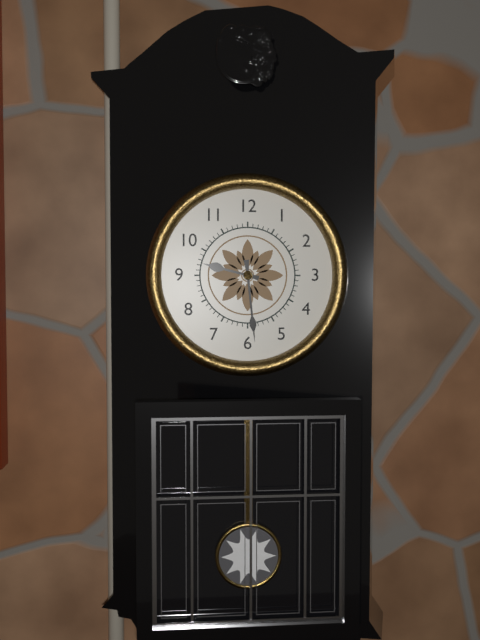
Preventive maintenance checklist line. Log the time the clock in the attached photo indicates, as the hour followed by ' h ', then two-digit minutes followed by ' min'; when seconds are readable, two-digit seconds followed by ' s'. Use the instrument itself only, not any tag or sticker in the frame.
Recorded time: 9 h 29 min
